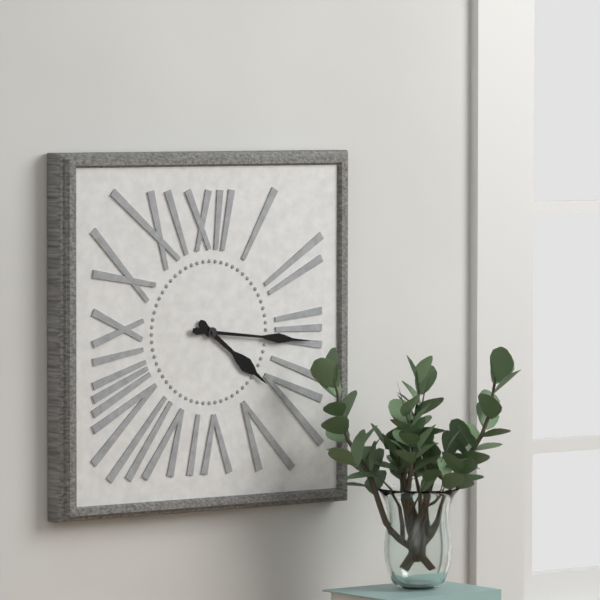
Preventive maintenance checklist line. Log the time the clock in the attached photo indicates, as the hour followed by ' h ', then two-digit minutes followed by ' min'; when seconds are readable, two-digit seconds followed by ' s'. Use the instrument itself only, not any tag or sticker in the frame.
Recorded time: 4 h 16 min
